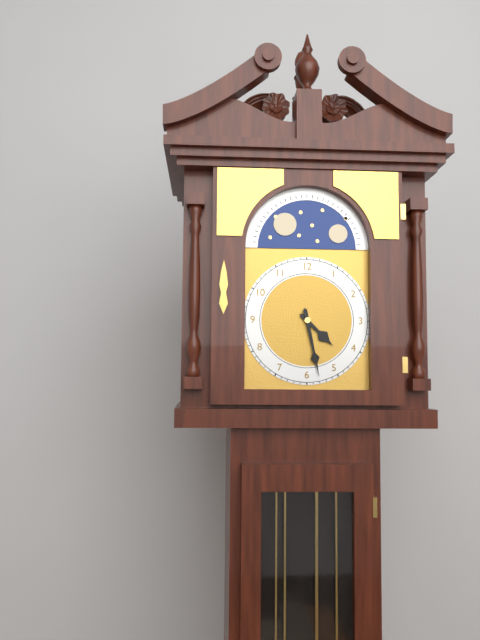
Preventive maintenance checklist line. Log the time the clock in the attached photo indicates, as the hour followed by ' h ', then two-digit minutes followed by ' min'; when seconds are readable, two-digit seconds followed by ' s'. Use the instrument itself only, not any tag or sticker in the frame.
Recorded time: 4 h 28 min
